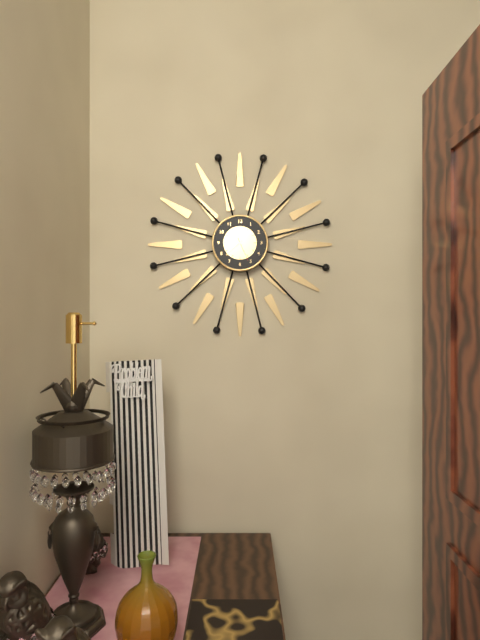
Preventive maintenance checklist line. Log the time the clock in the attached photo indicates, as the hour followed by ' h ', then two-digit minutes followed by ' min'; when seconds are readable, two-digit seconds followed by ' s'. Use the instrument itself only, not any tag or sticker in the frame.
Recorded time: 7 h 38 min
